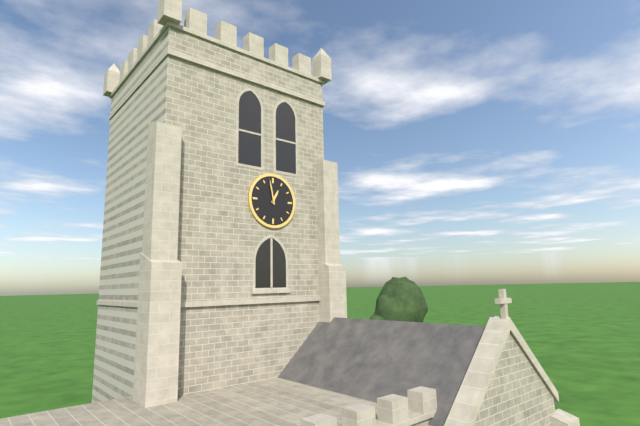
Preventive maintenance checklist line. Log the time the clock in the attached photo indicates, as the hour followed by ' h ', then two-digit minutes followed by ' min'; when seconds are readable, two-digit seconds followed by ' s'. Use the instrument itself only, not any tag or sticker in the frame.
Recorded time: 12 h 58 min
